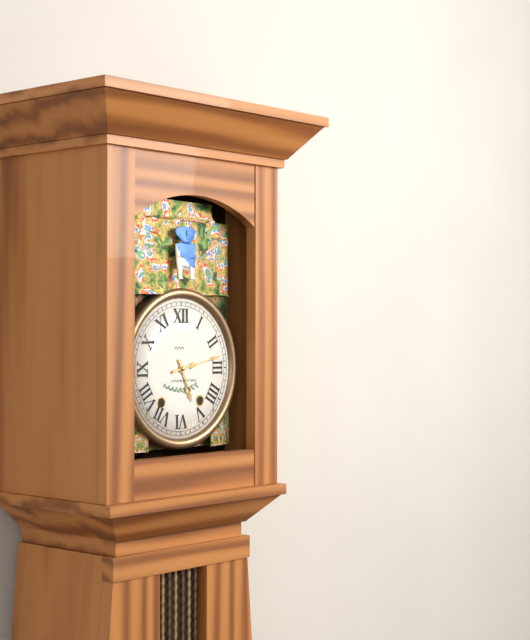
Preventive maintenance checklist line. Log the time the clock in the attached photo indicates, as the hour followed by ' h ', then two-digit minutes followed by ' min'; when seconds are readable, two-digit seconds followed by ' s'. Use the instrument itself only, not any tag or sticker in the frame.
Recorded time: 5 h 13 min
